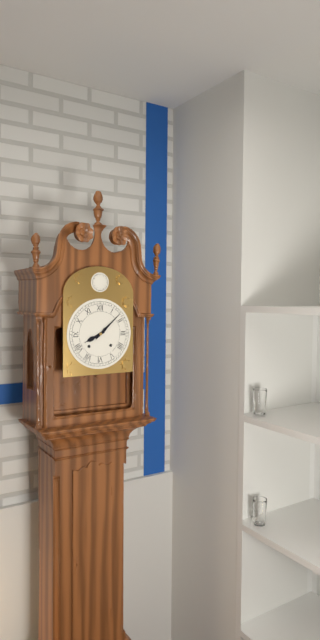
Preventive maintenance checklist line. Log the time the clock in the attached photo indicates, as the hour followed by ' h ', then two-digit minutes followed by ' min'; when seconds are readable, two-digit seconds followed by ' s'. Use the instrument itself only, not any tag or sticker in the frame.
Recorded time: 8 h 08 min
